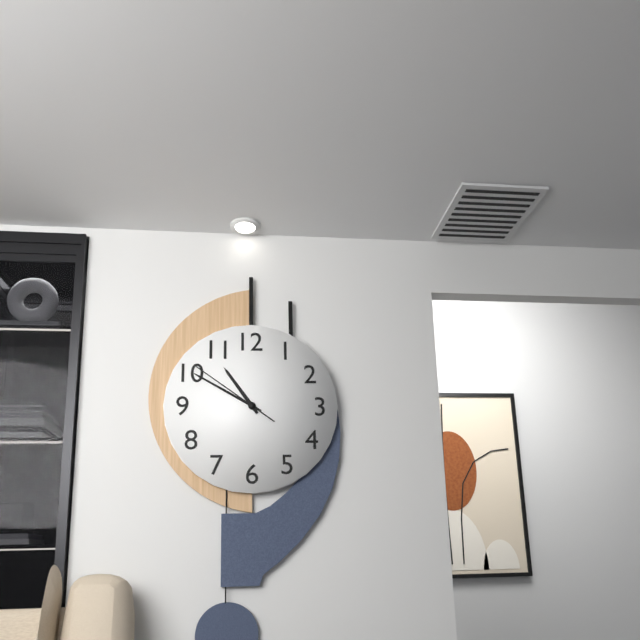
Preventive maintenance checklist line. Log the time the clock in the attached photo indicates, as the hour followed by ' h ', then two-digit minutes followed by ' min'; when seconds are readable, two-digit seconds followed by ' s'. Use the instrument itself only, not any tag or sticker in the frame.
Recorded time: 10 h 50 min 51 s
